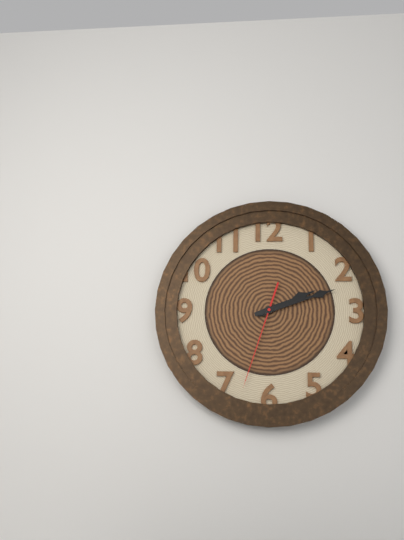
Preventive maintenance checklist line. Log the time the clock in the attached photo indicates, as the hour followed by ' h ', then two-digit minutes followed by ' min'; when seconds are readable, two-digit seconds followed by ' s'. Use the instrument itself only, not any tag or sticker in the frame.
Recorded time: 2 h 12 min 33 s
